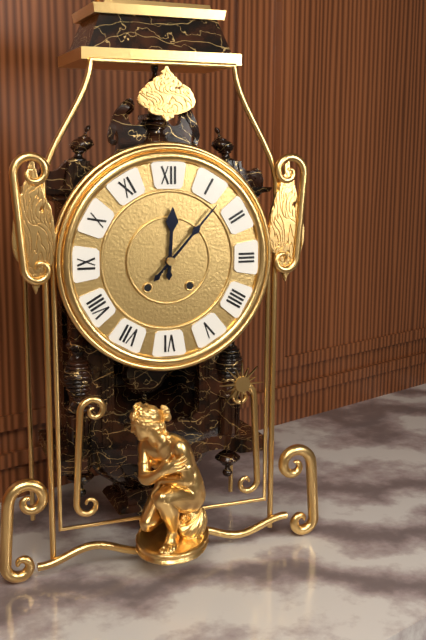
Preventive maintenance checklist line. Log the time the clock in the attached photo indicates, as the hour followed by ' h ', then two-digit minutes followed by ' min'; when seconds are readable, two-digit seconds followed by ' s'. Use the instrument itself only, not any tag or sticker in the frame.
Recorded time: 12 h 07 min
